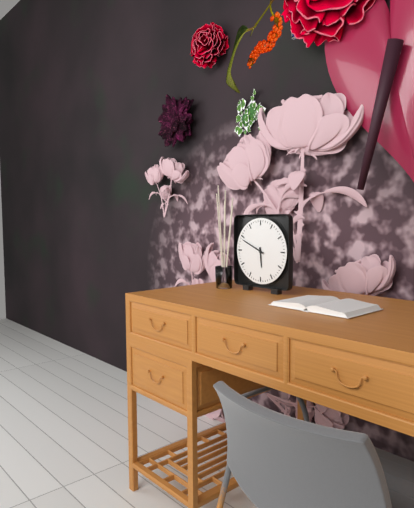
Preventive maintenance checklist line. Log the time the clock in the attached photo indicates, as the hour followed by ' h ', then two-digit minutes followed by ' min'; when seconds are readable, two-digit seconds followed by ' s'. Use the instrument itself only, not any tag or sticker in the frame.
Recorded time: 5 h 49 min
